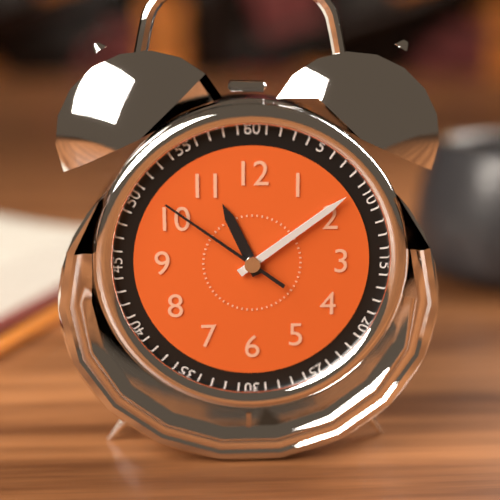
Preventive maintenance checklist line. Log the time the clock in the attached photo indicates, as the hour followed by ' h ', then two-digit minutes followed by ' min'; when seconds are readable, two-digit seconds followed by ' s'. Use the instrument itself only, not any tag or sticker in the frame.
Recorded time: 11 h 09 min 51 s
